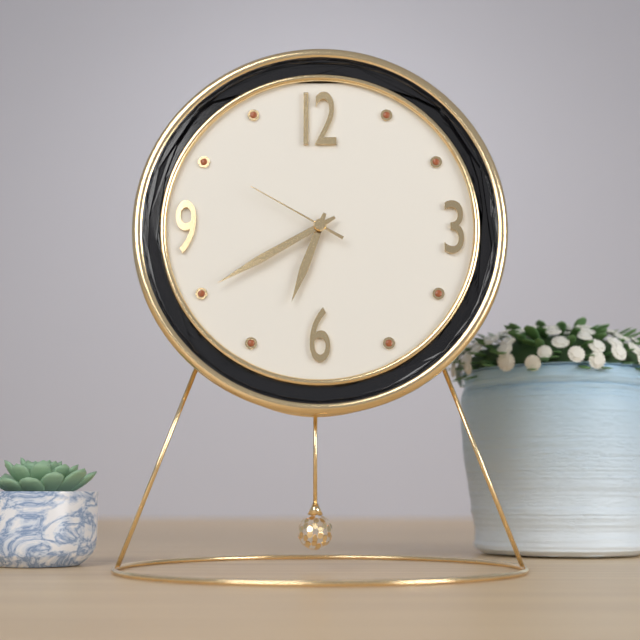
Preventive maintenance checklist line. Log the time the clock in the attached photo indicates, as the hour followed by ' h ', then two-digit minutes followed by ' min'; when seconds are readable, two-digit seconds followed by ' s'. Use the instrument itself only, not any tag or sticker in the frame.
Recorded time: 6 h 40 min 50 s
